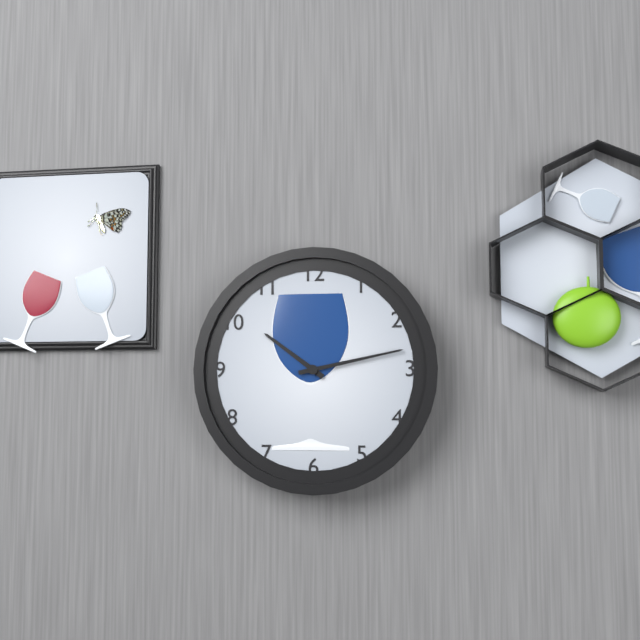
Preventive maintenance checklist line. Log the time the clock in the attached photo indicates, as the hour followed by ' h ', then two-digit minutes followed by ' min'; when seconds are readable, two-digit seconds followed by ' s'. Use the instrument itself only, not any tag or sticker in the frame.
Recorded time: 10 h 13 min
